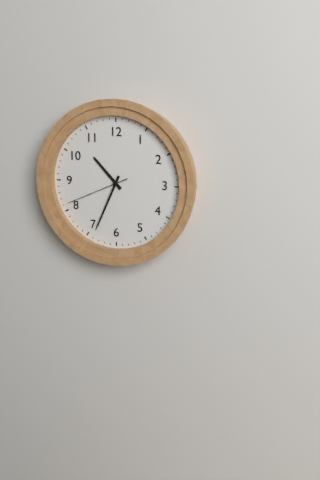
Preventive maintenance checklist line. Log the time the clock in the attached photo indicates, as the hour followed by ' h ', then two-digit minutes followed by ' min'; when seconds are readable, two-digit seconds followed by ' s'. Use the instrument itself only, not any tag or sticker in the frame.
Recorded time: 10 h 34 min 41 s
